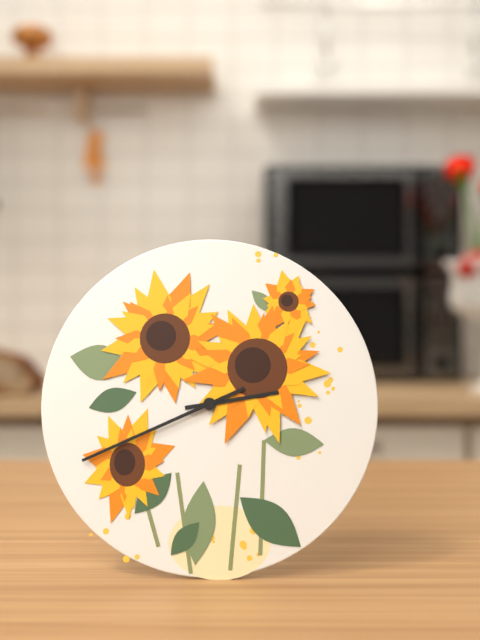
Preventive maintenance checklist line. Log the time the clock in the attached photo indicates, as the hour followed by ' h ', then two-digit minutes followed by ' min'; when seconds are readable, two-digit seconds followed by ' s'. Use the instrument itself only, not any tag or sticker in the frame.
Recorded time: 2 h 41 min
